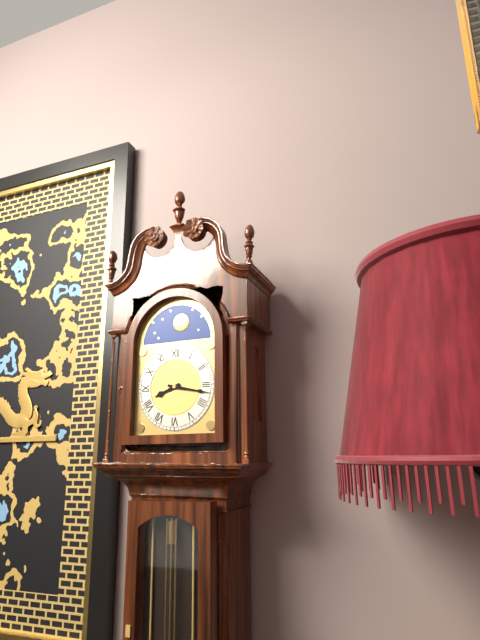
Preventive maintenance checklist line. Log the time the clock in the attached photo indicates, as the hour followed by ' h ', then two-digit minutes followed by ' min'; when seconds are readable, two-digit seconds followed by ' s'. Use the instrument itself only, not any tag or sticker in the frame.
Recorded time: 8 h 17 min
